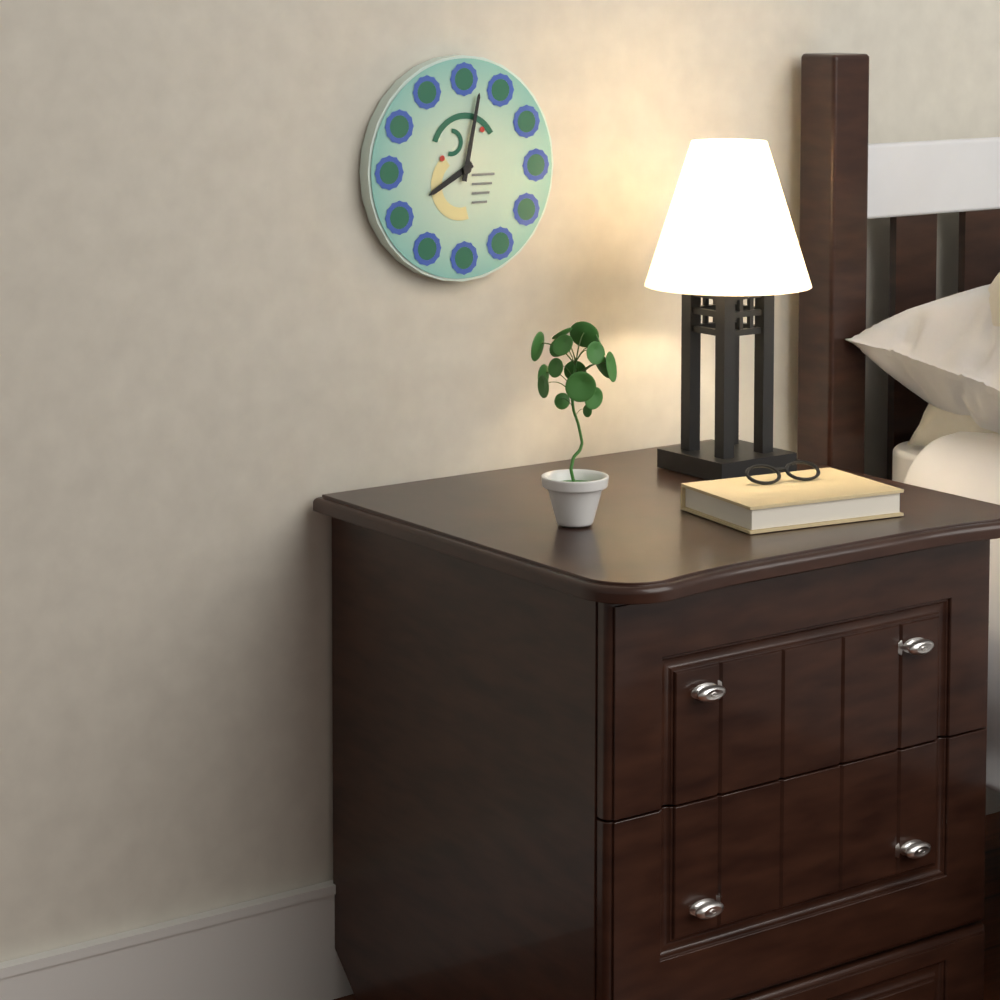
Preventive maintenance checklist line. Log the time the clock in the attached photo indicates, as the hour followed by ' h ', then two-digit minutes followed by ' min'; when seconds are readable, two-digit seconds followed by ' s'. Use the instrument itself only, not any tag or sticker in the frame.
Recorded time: 8 h 02 min
